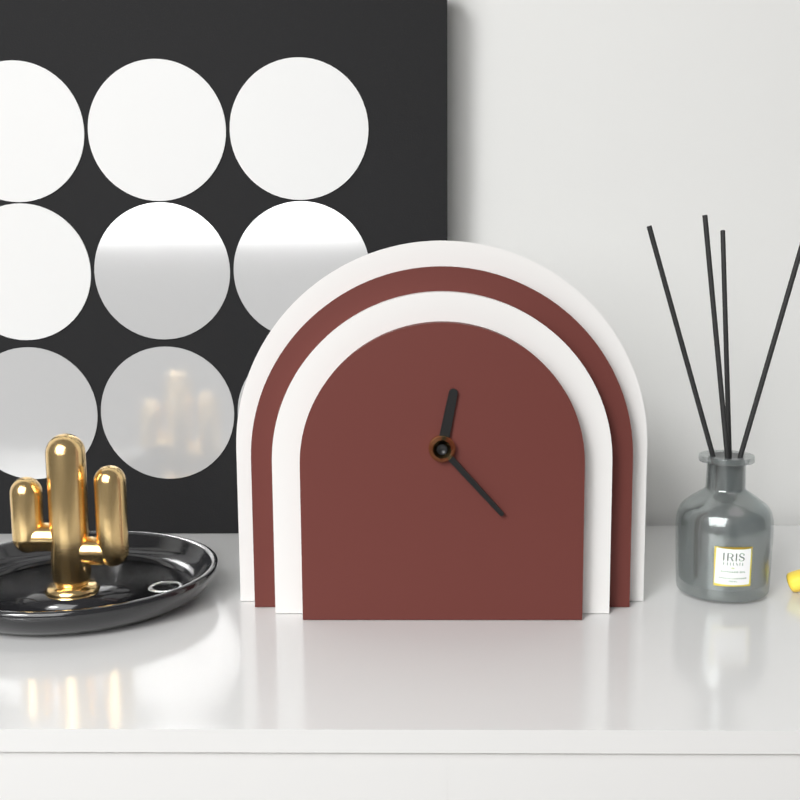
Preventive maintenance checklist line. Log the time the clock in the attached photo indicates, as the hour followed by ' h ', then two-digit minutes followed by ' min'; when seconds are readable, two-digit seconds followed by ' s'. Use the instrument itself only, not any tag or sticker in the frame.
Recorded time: 12 h 23 min
